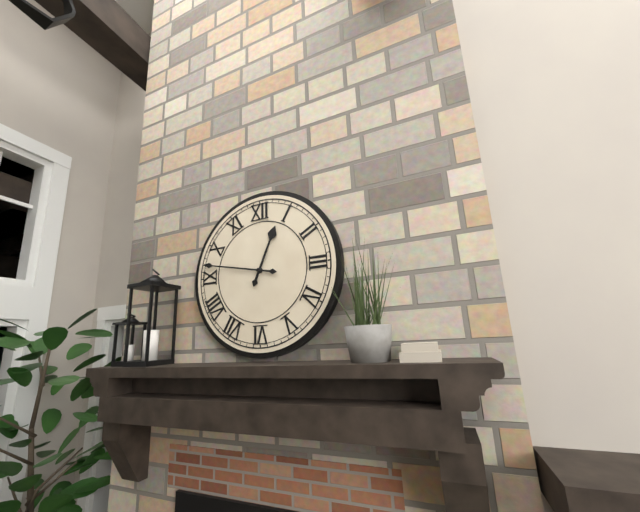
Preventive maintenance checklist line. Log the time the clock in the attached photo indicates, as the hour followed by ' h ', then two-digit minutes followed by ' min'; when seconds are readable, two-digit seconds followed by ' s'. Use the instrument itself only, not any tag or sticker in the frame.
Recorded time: 12 h 47 min
